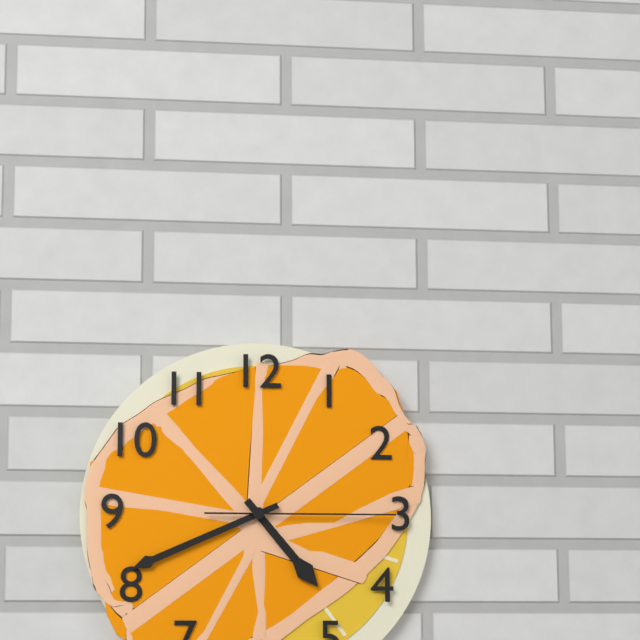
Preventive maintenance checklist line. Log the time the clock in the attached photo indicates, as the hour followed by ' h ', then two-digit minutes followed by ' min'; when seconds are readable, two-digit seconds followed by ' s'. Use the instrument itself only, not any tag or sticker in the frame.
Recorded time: 4 h 41 min 15 s
